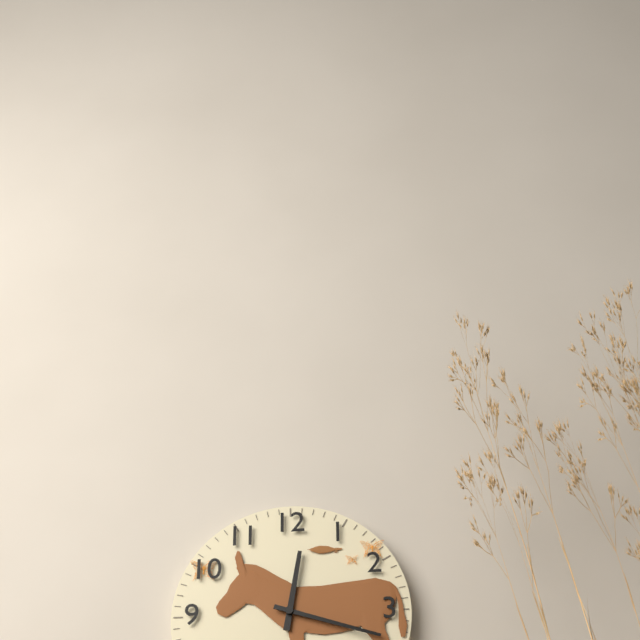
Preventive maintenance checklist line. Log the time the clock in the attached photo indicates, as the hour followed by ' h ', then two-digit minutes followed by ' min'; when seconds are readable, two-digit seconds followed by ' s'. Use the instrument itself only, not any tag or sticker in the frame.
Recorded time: 12 h 18 min
